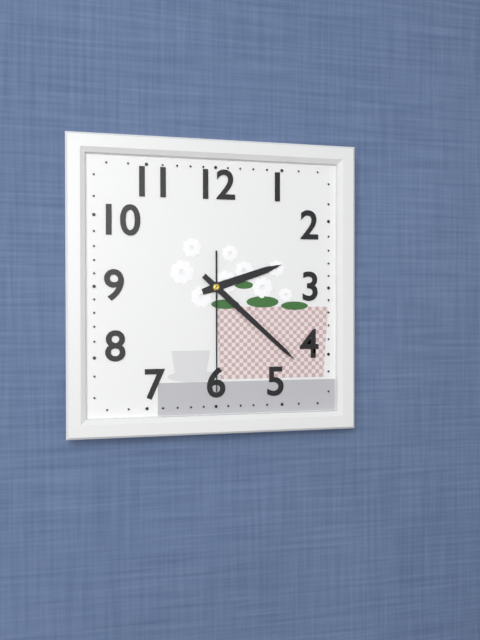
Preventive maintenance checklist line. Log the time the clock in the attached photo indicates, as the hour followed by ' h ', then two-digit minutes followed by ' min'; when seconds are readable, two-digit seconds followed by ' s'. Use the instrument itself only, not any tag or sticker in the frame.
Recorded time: 2 h 22 min 30 s
